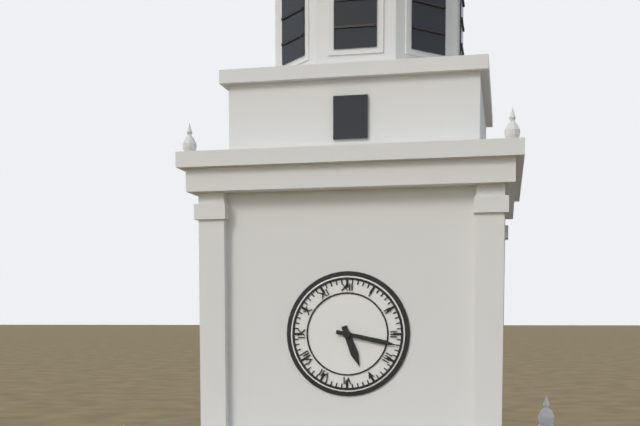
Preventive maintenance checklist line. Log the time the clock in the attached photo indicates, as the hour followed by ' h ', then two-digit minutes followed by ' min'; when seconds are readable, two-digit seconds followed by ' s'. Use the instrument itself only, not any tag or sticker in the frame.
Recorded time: 5 h 17 min
